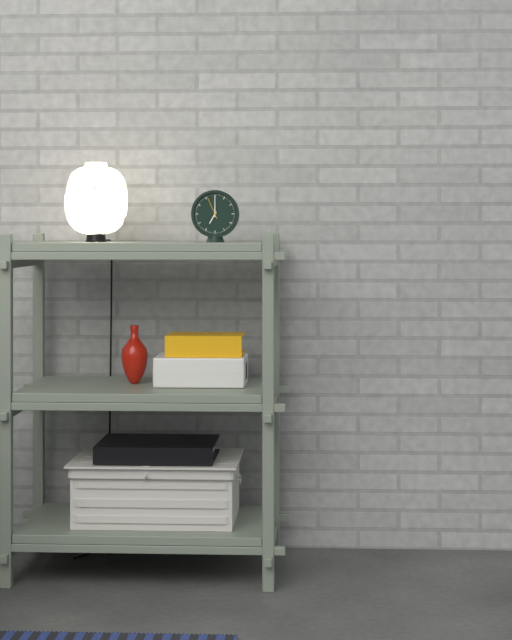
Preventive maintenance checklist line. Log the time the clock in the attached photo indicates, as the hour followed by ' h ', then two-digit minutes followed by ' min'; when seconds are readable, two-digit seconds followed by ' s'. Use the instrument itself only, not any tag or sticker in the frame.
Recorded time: 7 h 00 min
